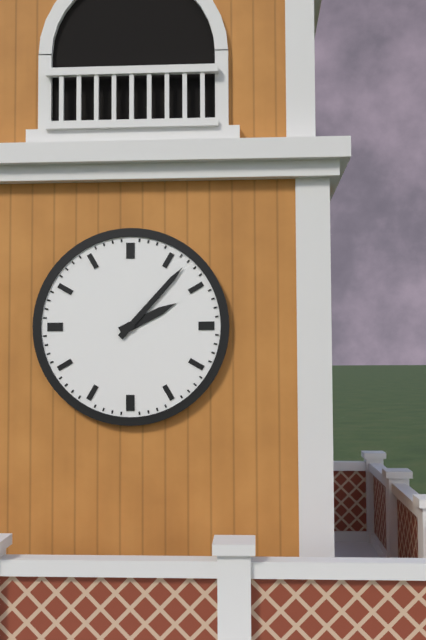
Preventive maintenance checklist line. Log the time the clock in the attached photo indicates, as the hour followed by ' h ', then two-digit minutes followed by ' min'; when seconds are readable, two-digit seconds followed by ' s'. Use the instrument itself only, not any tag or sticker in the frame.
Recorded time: 2 h 07 min
